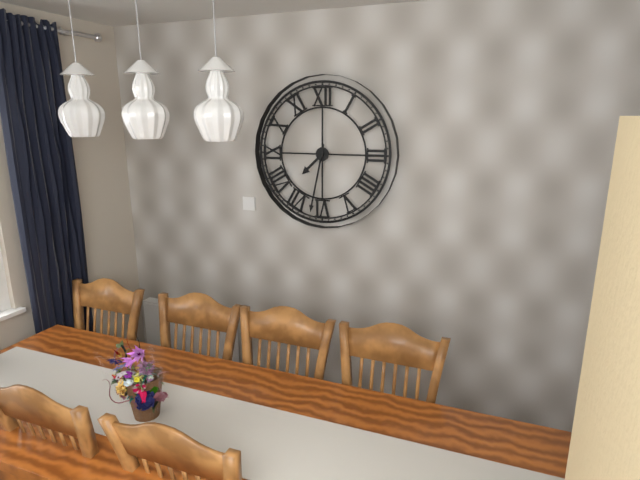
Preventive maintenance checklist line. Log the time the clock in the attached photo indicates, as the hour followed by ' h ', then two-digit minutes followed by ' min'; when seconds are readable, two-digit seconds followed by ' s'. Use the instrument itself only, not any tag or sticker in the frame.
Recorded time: 7 h 32 min
